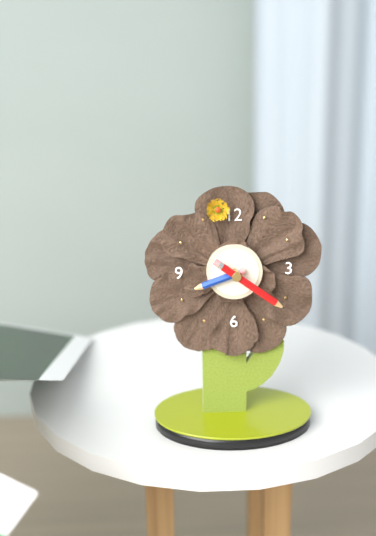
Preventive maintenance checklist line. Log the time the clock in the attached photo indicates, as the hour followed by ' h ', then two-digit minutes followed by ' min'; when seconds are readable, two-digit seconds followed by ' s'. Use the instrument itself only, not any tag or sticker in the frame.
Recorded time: 8 h 21 min
